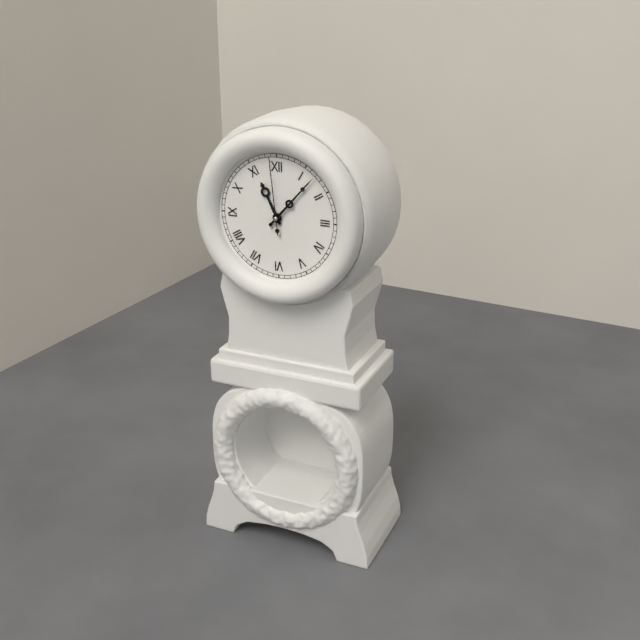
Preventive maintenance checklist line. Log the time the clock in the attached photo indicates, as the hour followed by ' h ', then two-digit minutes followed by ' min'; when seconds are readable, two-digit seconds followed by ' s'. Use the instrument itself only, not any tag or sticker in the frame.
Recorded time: 11 h 07 min 59 s
